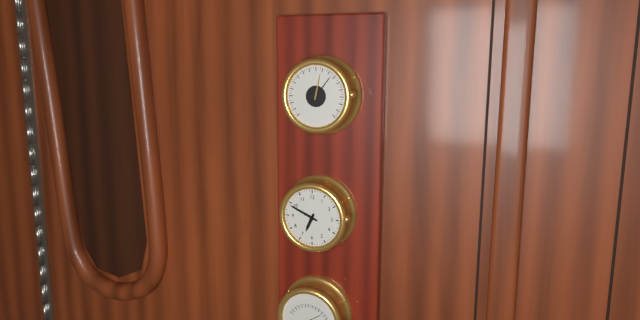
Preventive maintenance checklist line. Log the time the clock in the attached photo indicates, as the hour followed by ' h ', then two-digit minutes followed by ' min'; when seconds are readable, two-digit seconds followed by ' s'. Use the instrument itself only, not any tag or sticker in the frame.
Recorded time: 6 h 49 min
